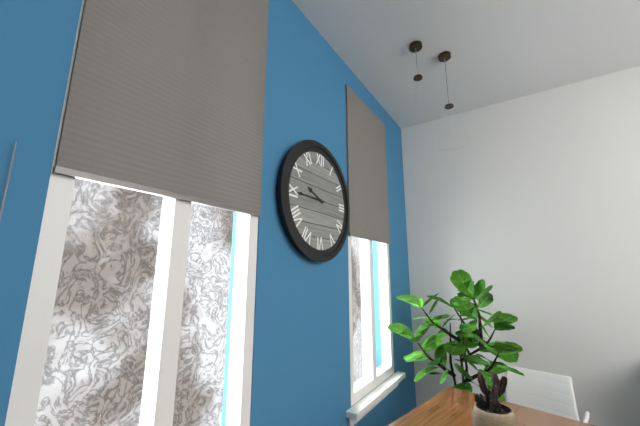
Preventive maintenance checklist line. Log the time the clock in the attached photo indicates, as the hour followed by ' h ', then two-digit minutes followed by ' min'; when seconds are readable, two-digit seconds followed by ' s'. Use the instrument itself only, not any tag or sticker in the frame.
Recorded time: 9 h 45 min
